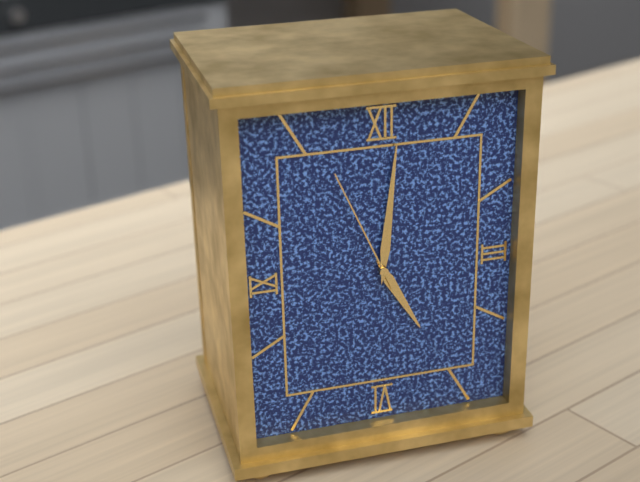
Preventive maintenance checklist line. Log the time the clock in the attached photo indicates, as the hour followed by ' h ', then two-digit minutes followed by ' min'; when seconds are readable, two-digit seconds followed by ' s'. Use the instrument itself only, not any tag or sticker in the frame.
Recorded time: 5 h 01 min 56 s
